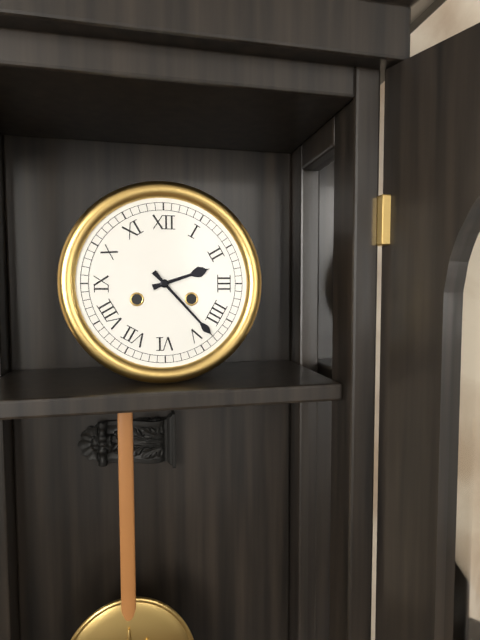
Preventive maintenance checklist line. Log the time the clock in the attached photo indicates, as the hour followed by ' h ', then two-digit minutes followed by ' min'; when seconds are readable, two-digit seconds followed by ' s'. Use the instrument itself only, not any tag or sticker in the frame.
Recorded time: 2 h 23 min
